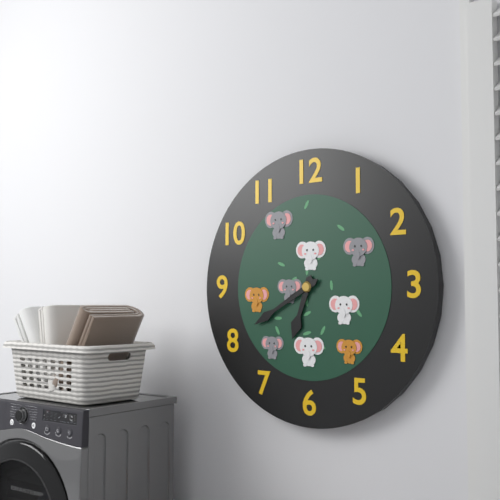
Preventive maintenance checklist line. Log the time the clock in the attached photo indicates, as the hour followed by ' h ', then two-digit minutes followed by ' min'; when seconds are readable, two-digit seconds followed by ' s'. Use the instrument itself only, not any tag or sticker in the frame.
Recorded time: 6 h 40 min
